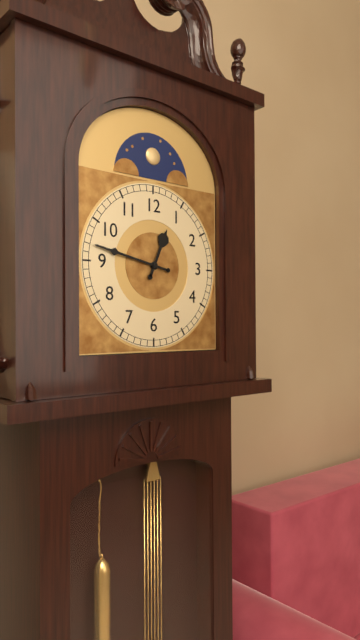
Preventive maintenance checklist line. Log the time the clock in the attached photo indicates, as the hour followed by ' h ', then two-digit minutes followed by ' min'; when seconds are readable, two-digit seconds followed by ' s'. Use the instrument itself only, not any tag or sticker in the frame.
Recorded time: 12 h 47 min
